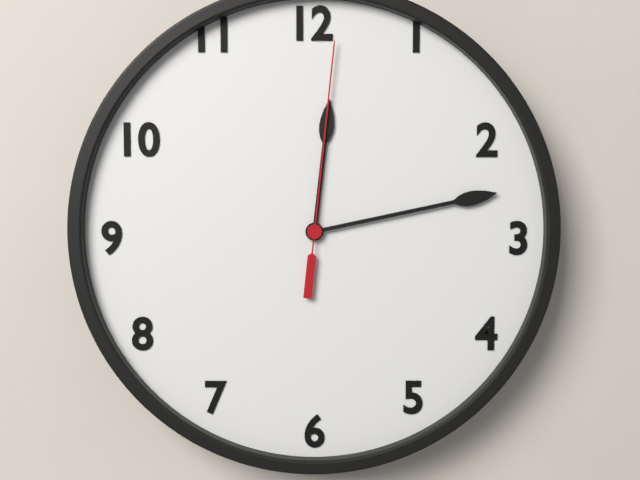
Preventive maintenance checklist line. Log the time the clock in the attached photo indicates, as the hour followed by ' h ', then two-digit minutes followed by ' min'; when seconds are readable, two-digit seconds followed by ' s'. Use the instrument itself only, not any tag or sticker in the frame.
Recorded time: 12 h 13 min 01 s
